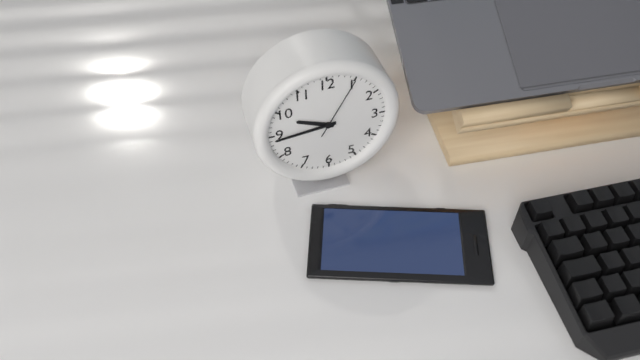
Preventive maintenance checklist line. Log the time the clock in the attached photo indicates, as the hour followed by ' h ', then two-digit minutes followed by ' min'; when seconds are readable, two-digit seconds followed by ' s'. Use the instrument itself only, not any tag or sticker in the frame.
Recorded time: 9 h 44 min 05 s
